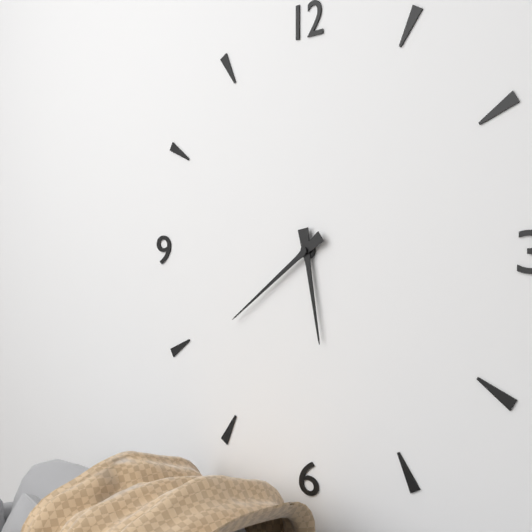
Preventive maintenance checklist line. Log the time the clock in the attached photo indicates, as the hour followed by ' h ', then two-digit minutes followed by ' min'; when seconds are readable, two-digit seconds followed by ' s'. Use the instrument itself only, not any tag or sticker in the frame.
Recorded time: 5 h 39 min
